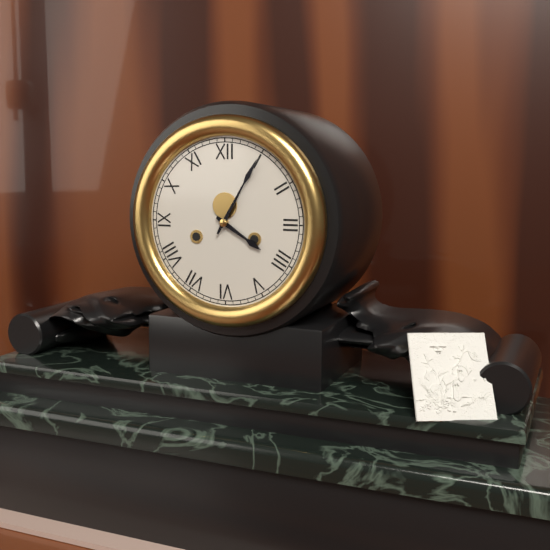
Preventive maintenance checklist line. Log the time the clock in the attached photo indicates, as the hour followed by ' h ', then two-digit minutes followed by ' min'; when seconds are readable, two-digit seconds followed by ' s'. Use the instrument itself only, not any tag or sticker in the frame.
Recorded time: 4 h 05 min
